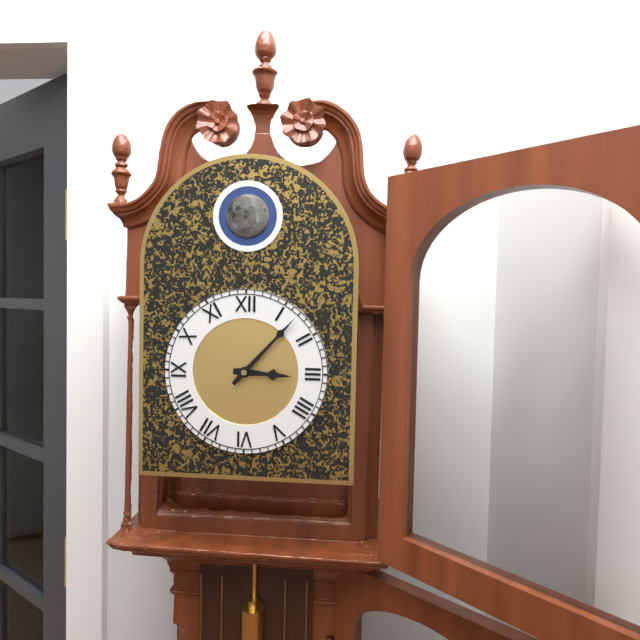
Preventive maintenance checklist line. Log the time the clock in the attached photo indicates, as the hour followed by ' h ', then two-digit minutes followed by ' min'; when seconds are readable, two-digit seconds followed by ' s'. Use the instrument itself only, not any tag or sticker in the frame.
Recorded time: 3 h 07 min
